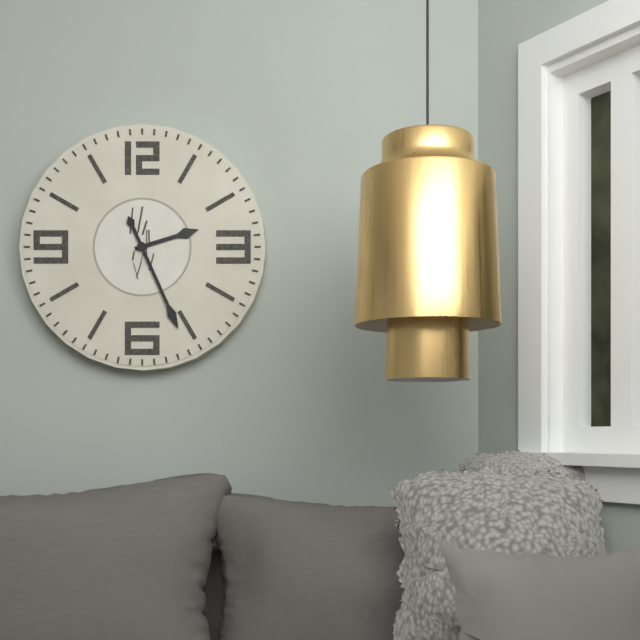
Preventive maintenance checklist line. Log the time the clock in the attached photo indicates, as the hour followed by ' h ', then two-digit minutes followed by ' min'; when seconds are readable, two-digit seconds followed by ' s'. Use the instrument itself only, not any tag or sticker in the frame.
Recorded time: 2 h 26 min
